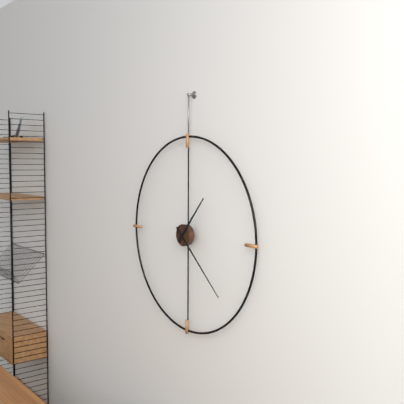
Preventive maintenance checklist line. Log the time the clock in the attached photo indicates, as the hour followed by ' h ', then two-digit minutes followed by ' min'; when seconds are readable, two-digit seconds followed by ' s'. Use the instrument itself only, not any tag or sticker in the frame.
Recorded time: 1 h 22 min
